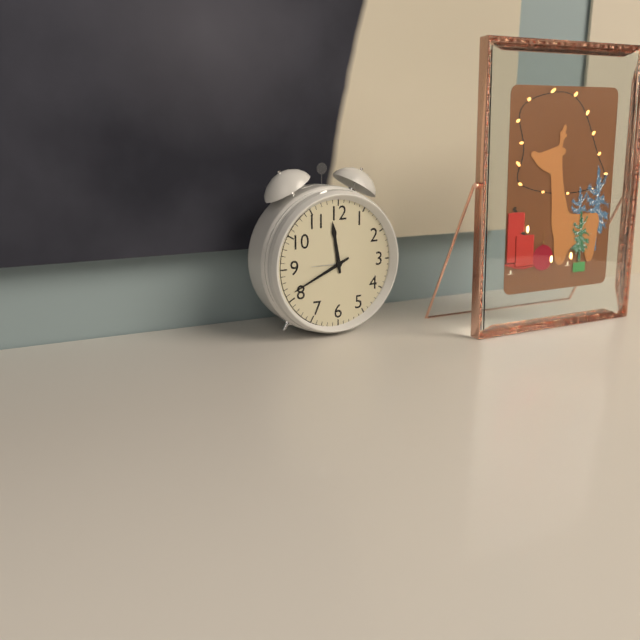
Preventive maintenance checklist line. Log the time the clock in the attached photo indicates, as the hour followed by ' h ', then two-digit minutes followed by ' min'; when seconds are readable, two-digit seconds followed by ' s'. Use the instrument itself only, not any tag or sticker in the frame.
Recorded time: 11 h 41 min
